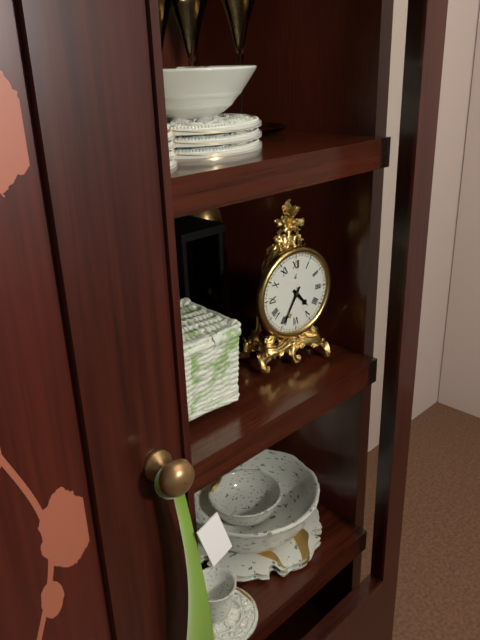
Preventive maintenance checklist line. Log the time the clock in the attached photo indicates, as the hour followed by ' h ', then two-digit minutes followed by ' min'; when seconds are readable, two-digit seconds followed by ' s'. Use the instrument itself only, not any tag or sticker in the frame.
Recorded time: 4 h 35 min
